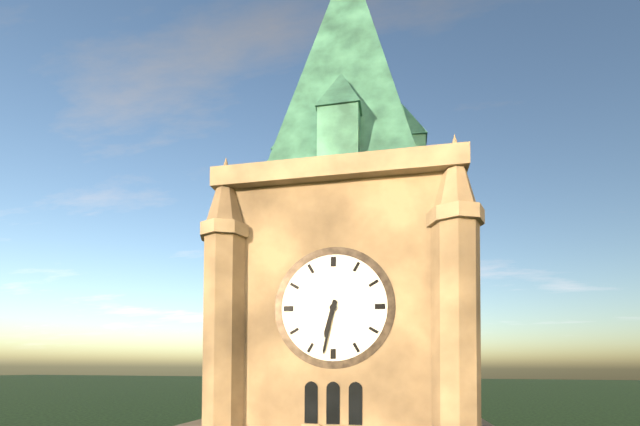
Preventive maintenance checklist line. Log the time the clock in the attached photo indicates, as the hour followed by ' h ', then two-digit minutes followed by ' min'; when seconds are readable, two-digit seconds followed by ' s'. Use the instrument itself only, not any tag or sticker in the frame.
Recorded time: 6 h 32 min
